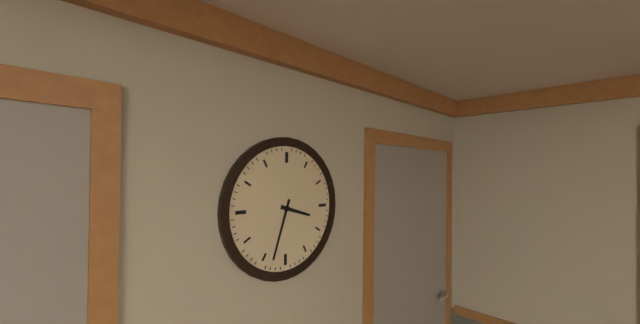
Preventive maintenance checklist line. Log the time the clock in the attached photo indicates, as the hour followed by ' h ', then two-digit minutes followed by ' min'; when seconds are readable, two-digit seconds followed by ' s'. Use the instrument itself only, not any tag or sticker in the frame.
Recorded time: 3 h 33 min
